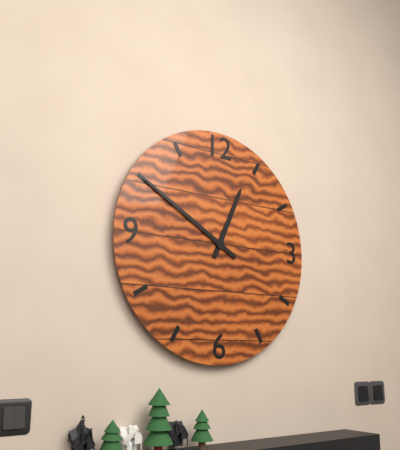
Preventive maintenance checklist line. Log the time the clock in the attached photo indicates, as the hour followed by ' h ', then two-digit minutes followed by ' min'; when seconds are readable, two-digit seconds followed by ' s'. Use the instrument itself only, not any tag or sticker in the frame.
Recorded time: 12 h 50 min
